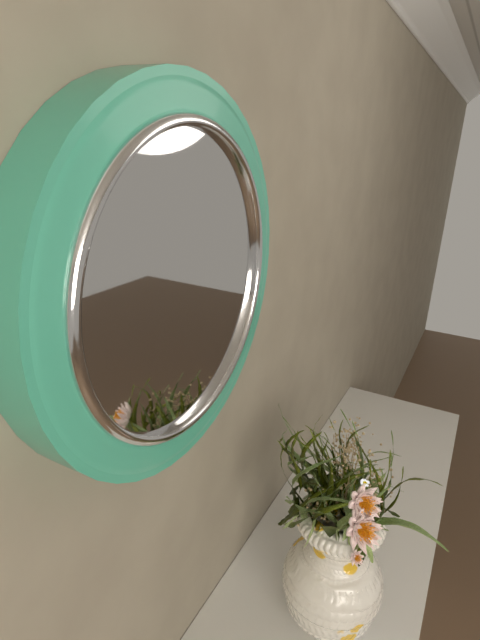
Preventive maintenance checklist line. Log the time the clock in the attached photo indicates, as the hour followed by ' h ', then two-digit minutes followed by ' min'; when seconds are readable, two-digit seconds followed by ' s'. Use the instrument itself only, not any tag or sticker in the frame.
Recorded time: 7 h 22 min
